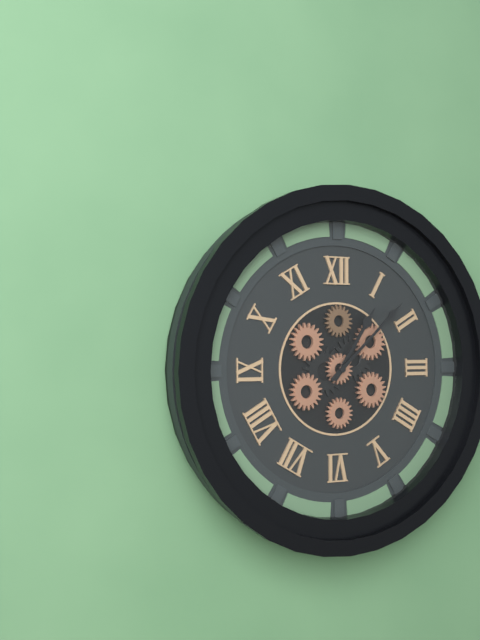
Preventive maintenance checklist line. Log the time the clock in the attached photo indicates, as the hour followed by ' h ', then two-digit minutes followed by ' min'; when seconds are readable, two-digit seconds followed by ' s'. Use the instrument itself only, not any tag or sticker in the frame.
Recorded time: 1 h 08 min
